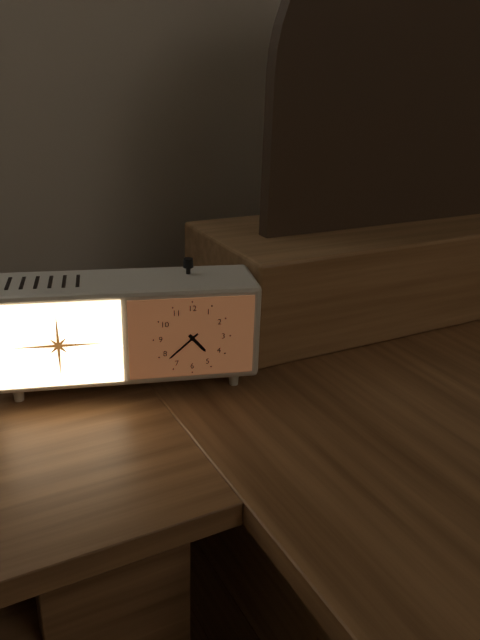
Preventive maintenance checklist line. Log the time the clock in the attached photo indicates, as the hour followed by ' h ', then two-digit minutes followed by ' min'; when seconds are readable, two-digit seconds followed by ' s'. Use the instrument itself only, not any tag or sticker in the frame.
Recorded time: 4 h 38 min
